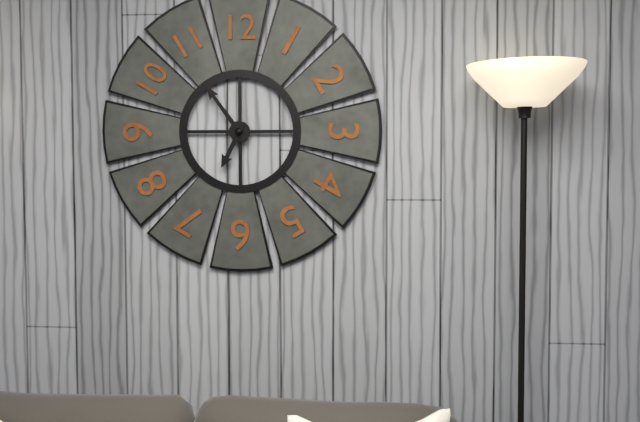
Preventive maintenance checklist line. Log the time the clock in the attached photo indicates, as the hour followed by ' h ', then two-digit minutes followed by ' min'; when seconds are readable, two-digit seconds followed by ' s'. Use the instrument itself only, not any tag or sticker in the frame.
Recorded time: 6 h 54 min
